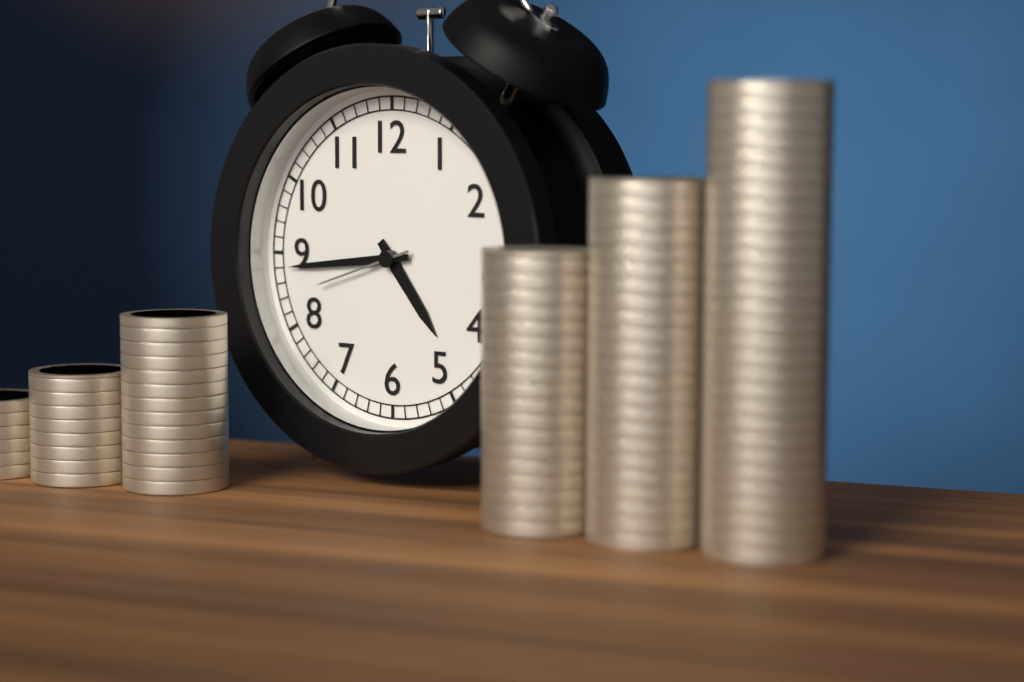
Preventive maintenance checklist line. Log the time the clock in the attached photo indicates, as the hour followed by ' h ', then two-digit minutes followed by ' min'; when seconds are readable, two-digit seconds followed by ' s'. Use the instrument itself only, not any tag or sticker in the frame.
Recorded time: 4 h 44 min 42 s
